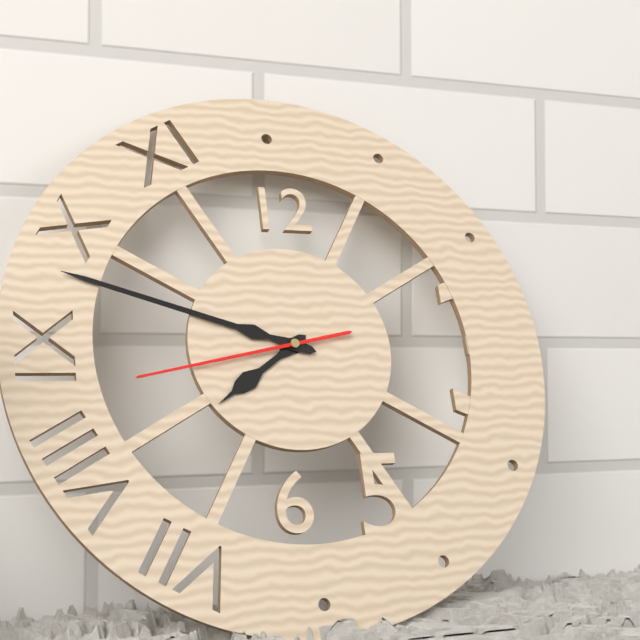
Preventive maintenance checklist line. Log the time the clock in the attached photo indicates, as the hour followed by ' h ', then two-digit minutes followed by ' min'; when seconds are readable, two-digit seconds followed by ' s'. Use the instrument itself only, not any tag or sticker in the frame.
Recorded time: 7 h 48 min 43 s
